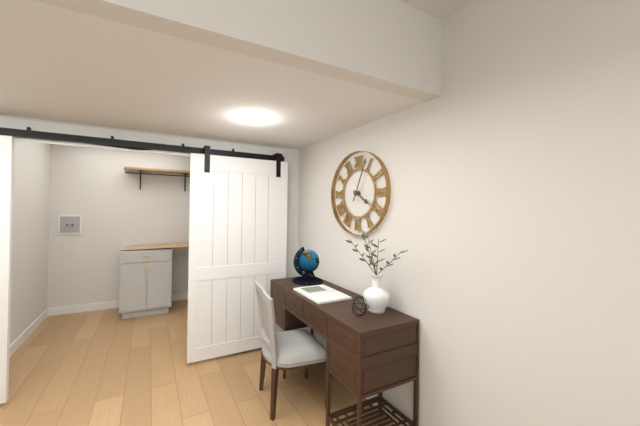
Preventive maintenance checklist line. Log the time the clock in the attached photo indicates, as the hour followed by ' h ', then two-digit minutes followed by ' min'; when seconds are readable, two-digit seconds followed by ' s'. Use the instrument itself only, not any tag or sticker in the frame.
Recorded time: 4 h 04 min
